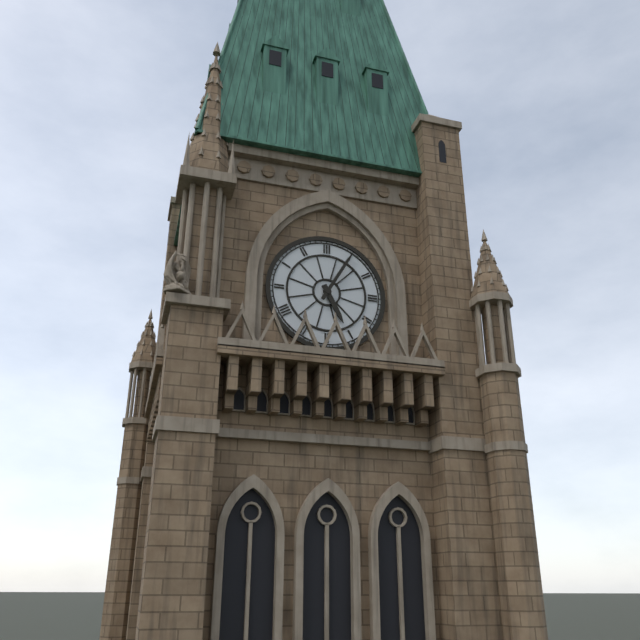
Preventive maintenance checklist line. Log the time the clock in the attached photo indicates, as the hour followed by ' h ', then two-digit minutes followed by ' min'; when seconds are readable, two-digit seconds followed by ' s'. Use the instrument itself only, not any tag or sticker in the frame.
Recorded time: 5 h 05 min
